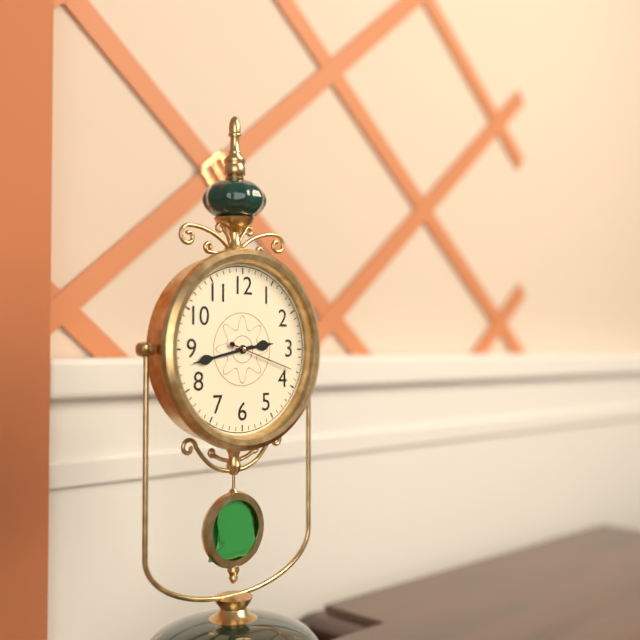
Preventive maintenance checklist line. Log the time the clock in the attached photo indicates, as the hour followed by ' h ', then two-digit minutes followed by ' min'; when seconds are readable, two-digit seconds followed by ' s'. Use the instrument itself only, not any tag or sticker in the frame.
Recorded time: 2 h 43 min 18 s
